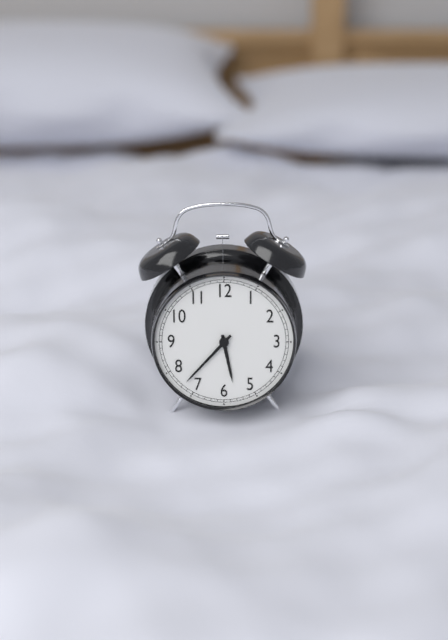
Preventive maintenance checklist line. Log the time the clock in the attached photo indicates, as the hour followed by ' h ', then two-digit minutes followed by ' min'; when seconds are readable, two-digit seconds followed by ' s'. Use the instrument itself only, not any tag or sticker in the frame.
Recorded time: 5 h 37 min
